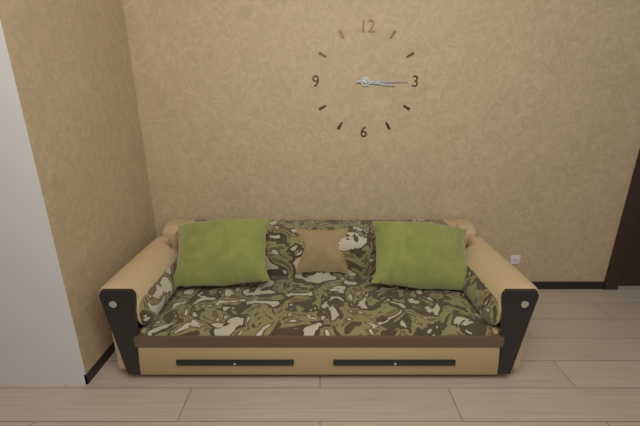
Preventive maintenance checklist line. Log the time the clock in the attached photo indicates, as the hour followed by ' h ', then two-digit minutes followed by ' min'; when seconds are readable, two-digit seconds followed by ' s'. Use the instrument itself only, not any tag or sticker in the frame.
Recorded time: 3 h 15 min
